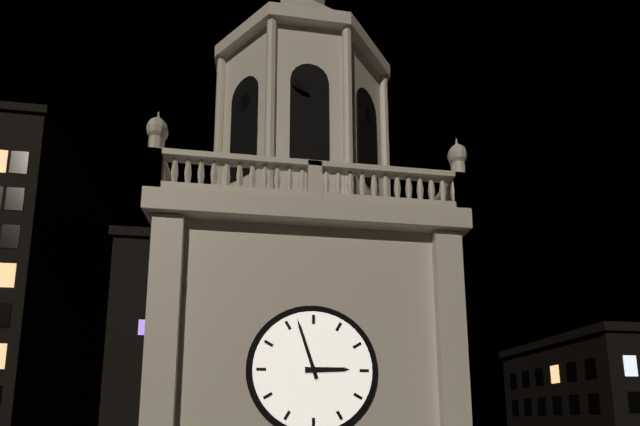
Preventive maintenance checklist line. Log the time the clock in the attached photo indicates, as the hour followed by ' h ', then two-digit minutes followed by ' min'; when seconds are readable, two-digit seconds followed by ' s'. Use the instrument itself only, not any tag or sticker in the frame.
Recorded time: 2 h 57 min
